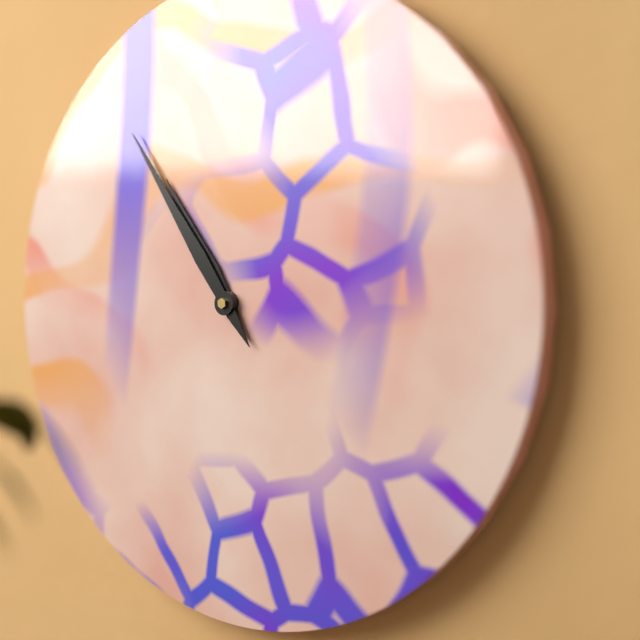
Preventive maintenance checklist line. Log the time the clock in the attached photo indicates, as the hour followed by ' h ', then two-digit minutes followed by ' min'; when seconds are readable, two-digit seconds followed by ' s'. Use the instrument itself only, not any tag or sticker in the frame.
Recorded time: 10 h 54 min
